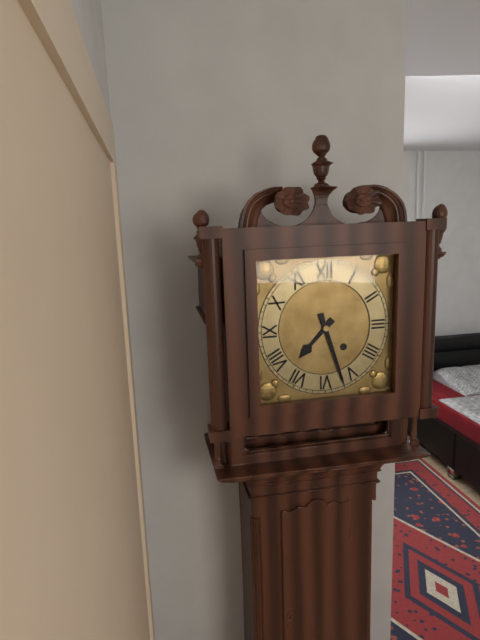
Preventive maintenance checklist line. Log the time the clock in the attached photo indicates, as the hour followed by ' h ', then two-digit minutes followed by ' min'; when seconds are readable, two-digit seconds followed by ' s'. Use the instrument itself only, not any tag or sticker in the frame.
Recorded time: 7 h 27 min
